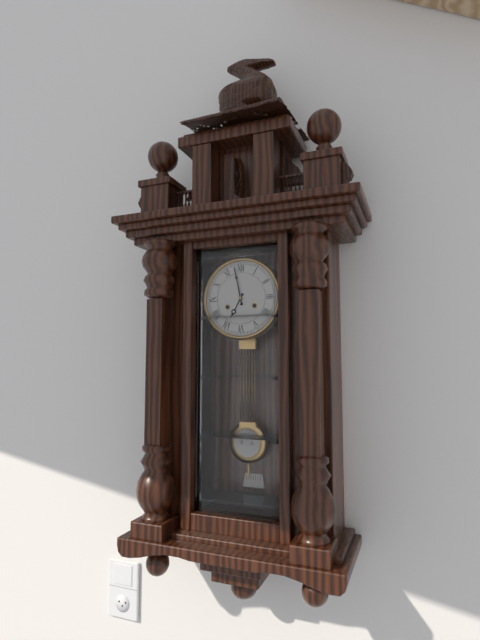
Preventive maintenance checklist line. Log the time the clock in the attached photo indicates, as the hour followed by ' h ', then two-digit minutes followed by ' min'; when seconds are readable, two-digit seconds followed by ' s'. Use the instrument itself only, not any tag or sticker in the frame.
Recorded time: 6 h 58 min
